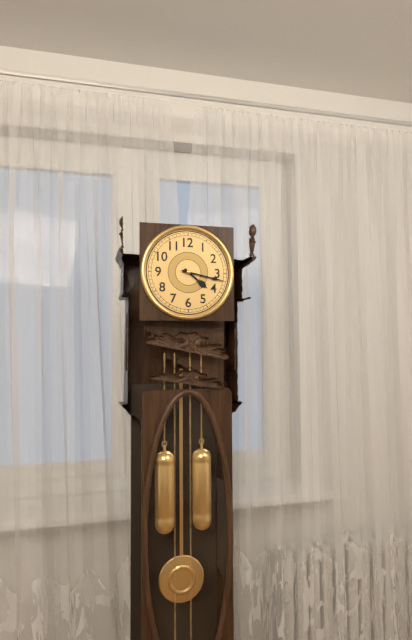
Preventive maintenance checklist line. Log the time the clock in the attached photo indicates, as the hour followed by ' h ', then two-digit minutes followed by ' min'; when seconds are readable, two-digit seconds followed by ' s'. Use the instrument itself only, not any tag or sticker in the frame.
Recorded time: 4 h 17 min
